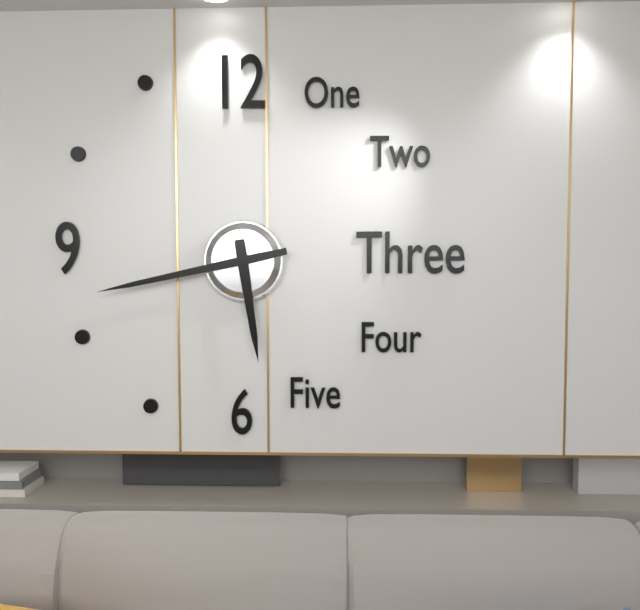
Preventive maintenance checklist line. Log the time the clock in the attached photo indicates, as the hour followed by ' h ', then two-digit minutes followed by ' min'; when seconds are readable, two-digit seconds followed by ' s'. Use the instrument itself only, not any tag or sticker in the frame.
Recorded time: 5 h 43 min
